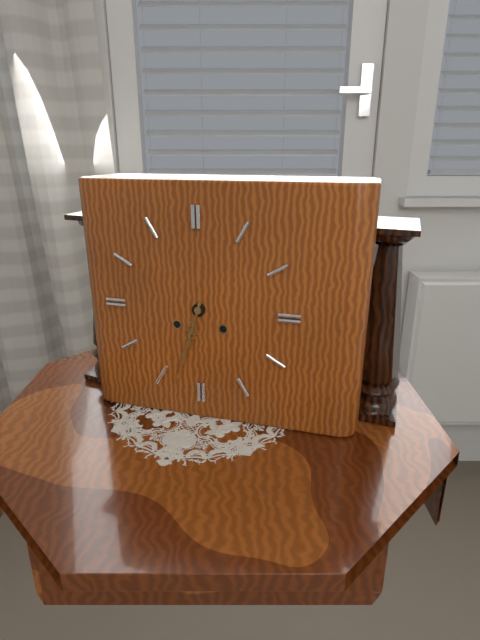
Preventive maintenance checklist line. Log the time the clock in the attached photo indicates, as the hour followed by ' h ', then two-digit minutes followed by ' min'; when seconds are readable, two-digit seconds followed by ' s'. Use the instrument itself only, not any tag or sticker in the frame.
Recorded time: 6 h 33 min
